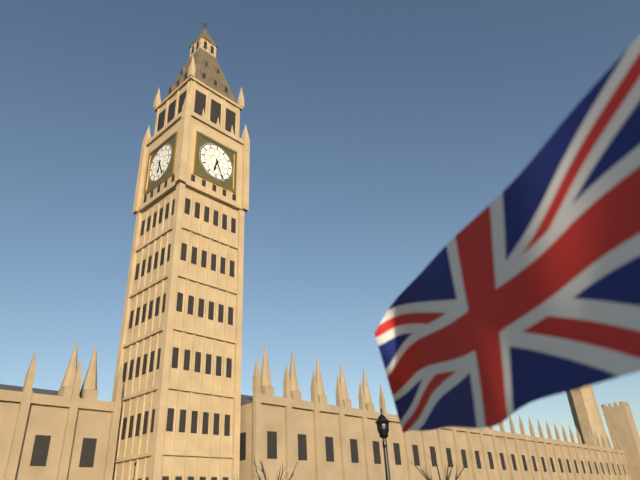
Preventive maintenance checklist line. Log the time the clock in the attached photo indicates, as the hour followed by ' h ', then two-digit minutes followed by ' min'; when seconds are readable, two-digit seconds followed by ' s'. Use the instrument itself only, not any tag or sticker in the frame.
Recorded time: 6 h 26 min
